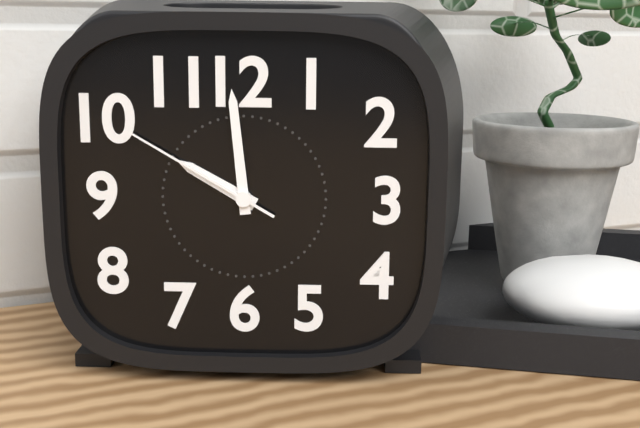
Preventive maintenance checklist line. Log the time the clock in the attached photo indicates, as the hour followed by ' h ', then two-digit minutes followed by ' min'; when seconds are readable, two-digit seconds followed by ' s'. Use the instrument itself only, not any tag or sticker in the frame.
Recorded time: 9 h 59 min 50 s
